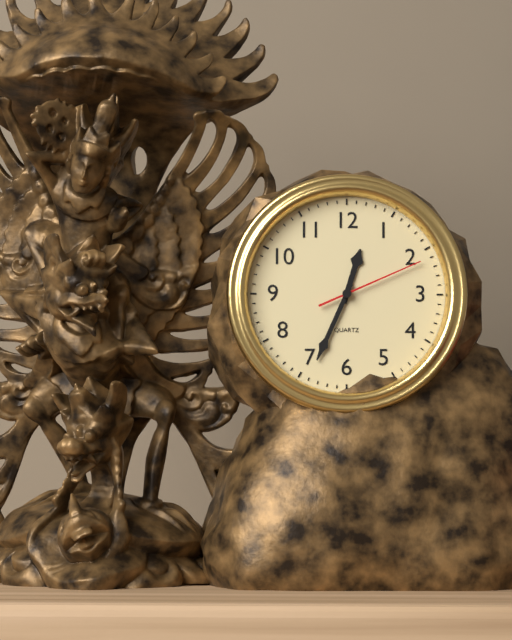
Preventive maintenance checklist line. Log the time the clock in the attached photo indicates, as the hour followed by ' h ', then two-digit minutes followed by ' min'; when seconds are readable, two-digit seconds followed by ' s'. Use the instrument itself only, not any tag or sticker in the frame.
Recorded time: 12 h 34 min 11 s
